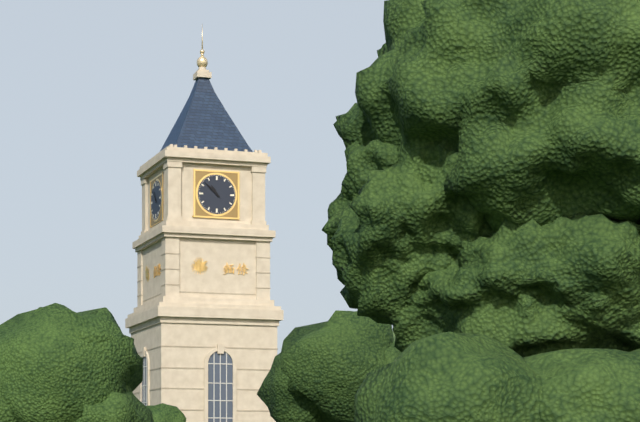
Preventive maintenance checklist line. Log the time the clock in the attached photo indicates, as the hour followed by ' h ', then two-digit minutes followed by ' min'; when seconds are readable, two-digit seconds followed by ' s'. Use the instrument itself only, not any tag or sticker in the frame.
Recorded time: 10 h 52 min
